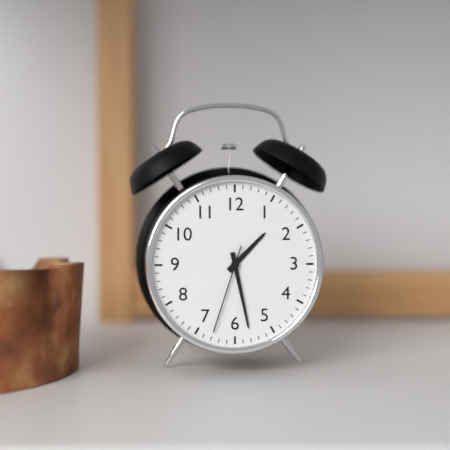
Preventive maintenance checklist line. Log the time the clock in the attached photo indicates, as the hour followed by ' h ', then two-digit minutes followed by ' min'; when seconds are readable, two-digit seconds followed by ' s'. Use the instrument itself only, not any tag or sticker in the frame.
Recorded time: 1 h 28 min 33 s
